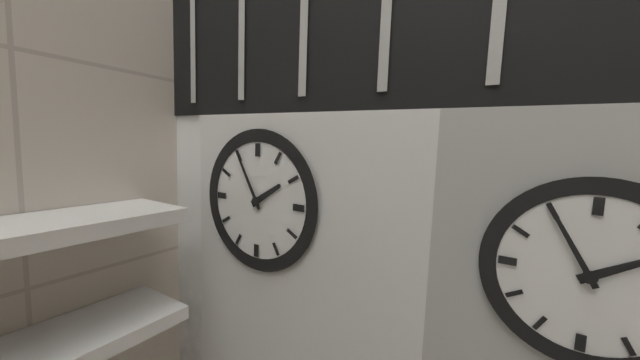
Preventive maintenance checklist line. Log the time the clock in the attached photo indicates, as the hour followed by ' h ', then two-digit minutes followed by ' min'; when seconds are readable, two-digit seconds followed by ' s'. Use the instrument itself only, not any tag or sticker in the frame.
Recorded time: 1 h 55 min
